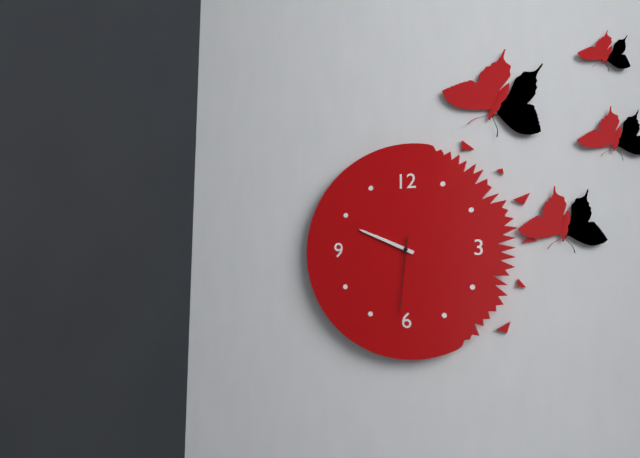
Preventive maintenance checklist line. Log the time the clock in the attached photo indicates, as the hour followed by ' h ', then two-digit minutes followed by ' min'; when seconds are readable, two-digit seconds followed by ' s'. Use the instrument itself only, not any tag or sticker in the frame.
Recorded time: 9 h 49 min 31 s
